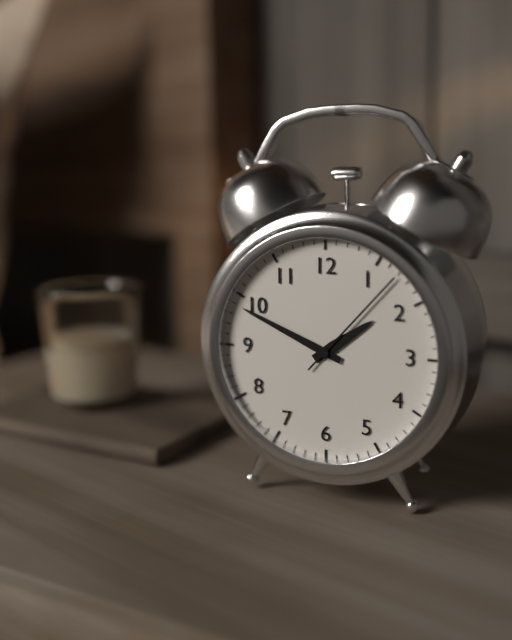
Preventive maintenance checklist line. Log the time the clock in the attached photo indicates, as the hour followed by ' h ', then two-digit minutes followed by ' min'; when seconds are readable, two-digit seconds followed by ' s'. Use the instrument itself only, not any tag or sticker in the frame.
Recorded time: 1 h 49 min 07 s
